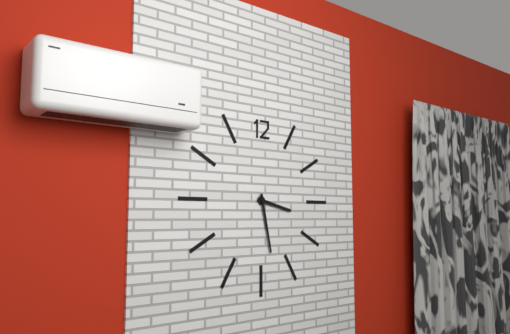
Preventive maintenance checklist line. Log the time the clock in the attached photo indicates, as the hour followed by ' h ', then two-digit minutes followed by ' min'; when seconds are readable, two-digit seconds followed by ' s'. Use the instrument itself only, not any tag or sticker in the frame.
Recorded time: 3 h 28 min
